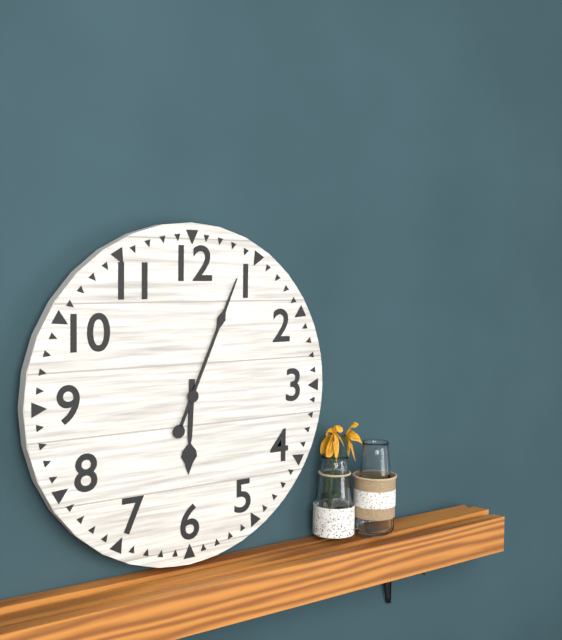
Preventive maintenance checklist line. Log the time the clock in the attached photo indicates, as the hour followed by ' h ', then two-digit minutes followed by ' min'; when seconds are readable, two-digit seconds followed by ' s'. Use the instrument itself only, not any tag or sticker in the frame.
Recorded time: 6 h 04 min
